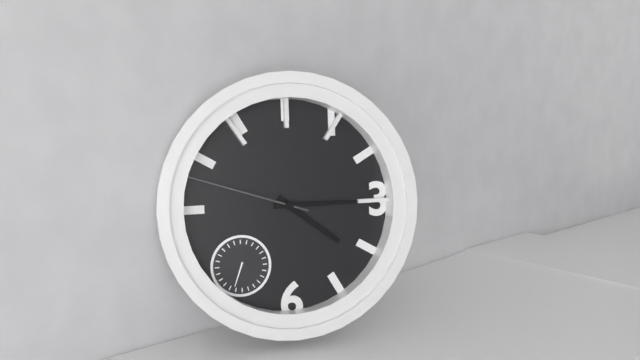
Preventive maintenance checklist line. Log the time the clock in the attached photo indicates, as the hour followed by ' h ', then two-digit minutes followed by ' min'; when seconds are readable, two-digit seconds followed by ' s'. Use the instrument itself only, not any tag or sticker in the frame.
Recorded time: 4 h 15 min 48 s
